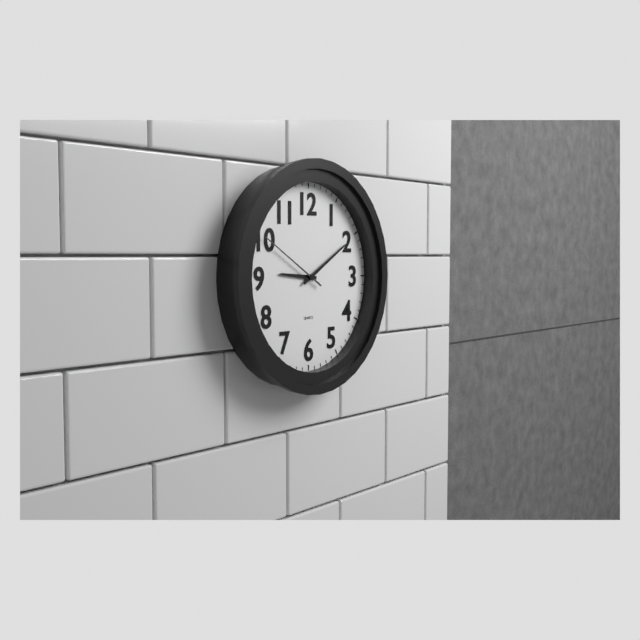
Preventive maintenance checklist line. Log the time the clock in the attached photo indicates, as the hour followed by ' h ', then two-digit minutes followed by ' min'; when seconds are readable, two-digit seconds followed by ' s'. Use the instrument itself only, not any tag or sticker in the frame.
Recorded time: 9 h 10 min 50 s
